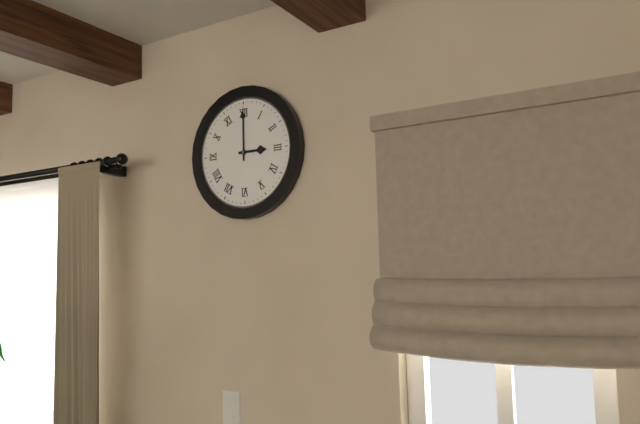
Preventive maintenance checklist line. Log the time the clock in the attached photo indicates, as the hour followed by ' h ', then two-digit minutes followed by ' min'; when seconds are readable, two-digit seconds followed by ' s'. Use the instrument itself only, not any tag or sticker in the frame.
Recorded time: 3 h 00 min
